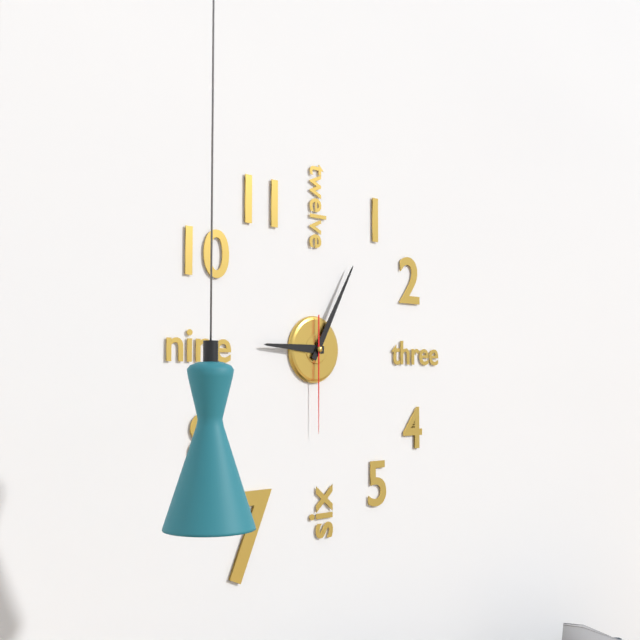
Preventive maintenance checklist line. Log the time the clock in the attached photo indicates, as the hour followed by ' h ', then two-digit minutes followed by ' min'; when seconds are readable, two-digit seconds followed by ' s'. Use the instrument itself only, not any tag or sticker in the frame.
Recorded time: 9 h 05 min 30 s
